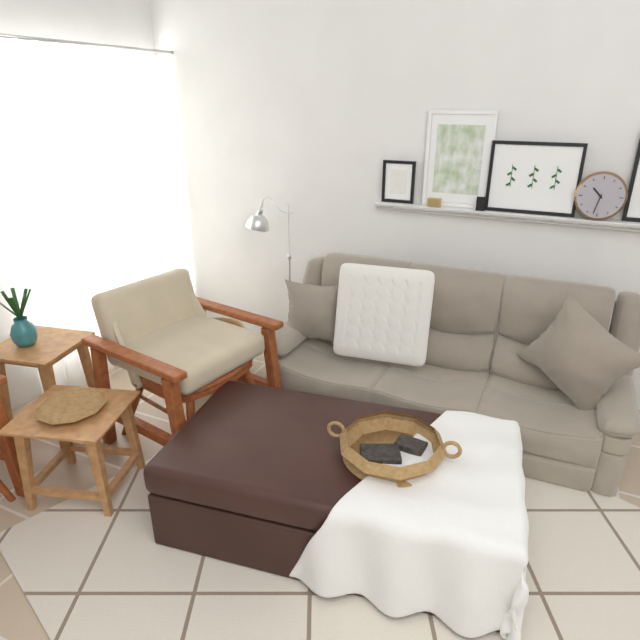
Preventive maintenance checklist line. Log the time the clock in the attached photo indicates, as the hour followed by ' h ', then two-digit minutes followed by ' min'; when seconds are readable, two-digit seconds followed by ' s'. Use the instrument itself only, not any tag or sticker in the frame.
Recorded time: 10 h 32 min
